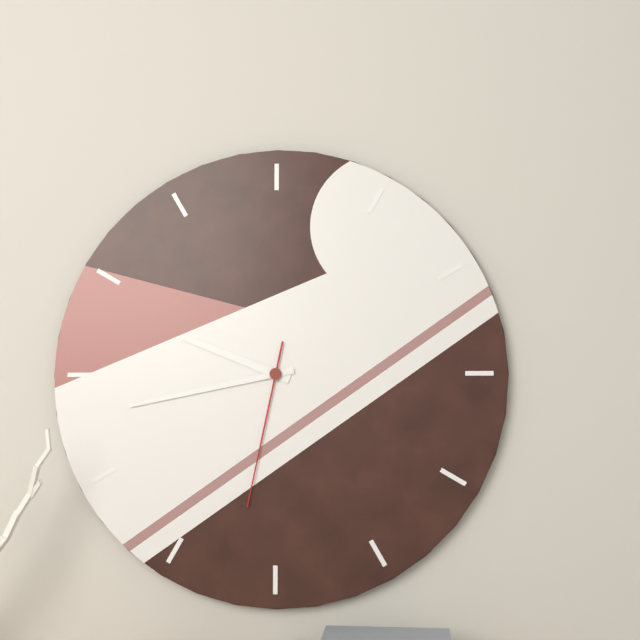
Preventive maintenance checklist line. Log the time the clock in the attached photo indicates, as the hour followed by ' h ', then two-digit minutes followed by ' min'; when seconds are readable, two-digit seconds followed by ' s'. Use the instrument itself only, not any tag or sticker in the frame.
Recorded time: 9 h 43 min 32 s
